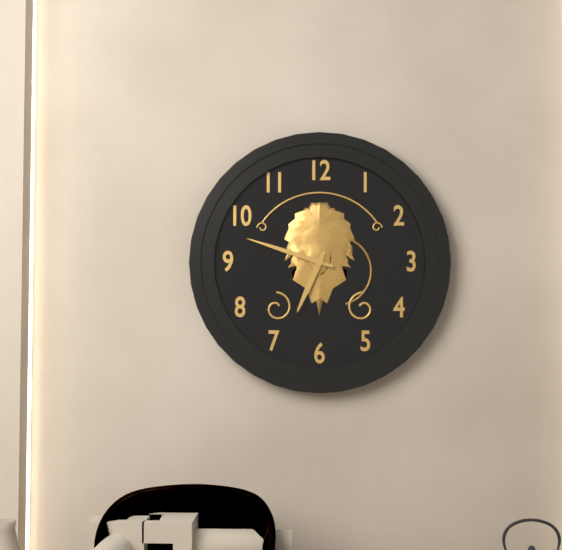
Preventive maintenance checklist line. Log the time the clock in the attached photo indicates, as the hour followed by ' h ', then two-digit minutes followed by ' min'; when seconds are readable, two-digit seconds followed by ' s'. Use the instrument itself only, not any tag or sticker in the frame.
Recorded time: 6 h 48 min
